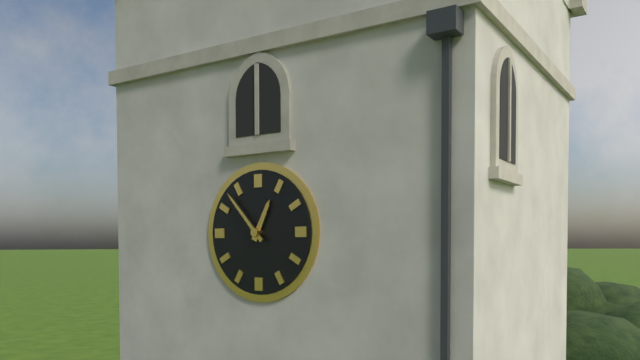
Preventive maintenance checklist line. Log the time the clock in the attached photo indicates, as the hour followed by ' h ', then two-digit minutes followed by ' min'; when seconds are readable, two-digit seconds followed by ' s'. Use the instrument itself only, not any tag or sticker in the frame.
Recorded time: 12 h 53 min
